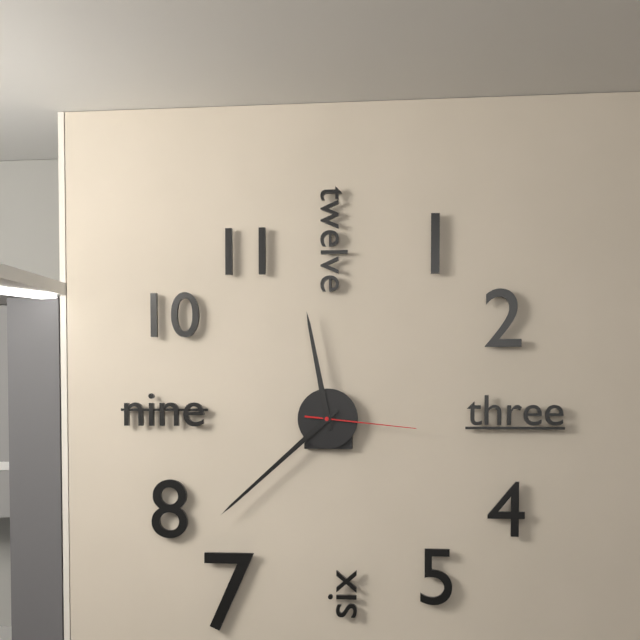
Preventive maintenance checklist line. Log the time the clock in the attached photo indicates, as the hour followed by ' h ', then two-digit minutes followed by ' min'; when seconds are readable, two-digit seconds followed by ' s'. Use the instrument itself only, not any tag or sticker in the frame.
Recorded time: 11 h 38 min 16 s
